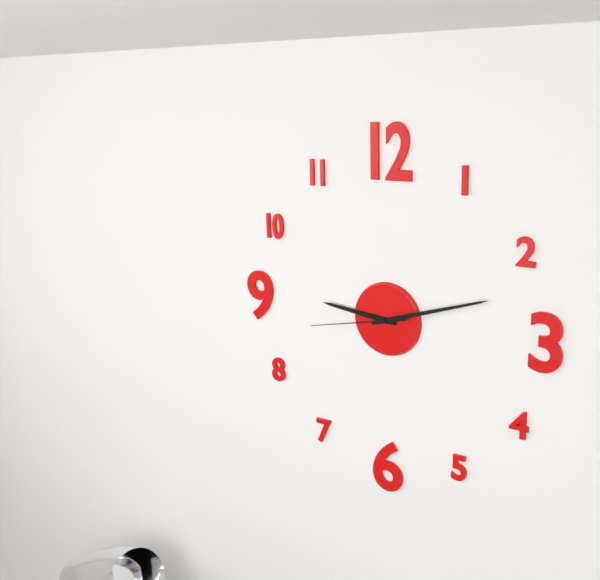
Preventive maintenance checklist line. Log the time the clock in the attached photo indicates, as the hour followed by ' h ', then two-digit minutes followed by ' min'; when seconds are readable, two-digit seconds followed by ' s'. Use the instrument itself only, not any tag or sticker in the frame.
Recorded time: 9 h 12 min 43 s
